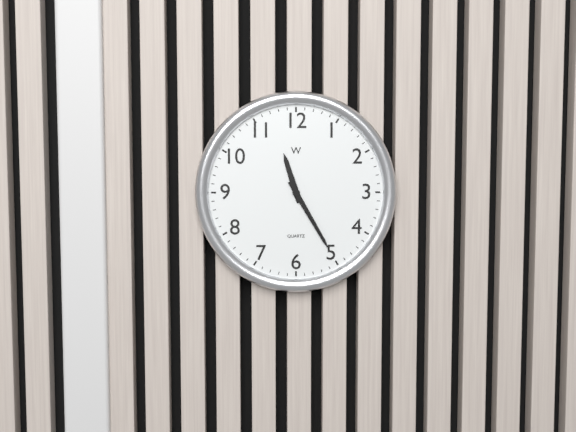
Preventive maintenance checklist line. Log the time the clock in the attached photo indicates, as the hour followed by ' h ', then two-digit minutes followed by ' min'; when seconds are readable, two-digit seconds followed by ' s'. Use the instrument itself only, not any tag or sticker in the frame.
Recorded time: 11 h 25 min
